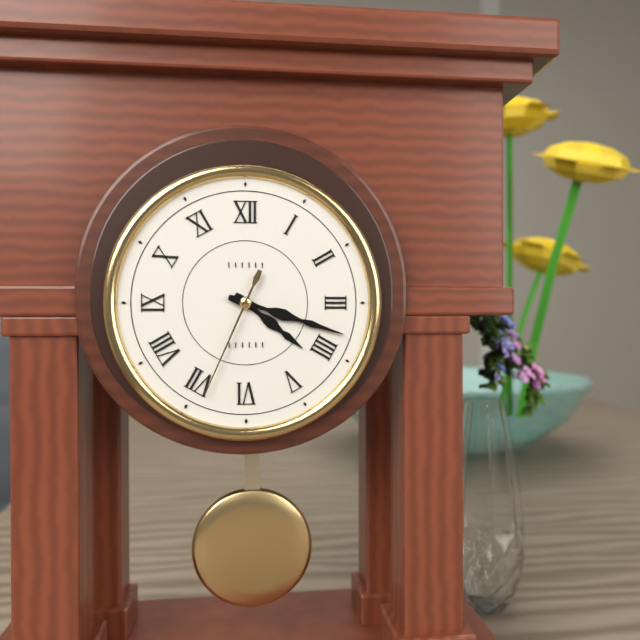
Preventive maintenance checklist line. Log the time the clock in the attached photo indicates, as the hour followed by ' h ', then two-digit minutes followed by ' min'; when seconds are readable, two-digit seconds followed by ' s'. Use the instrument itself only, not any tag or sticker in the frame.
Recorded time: 4 h 18 min 34 s
